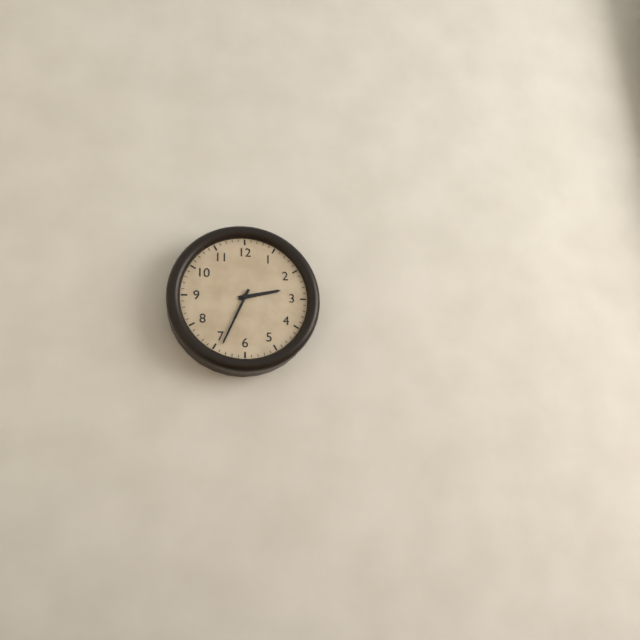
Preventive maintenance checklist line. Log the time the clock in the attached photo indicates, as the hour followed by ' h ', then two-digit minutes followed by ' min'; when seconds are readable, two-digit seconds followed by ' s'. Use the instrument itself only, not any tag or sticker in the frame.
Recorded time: 2 h 34 min
